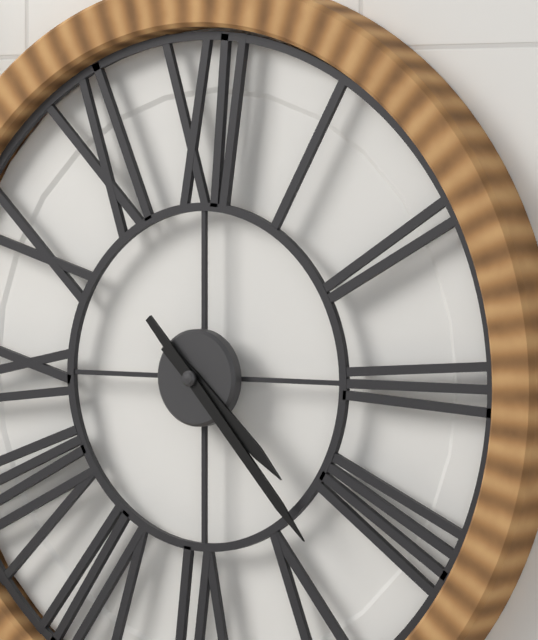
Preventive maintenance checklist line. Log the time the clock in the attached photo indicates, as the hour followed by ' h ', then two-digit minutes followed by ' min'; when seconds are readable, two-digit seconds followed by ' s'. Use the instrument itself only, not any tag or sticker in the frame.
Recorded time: 4 h 23 min
